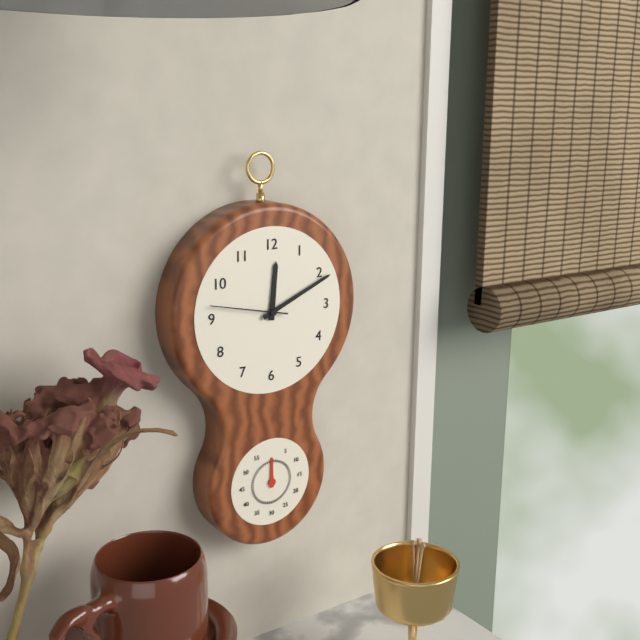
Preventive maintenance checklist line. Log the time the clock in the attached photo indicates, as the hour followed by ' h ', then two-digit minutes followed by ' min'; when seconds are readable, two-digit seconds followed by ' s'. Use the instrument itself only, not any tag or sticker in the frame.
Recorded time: 12 h 11 min 47 s
